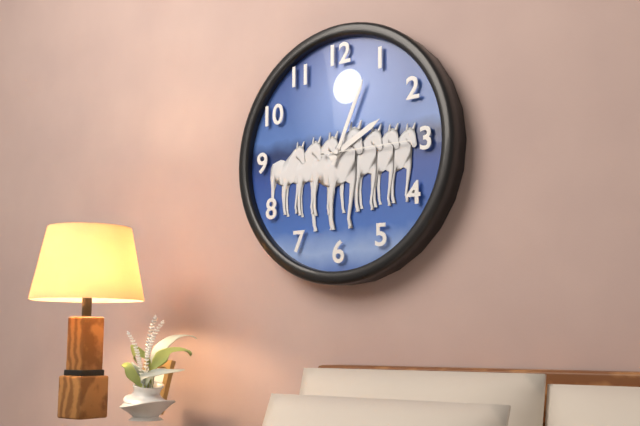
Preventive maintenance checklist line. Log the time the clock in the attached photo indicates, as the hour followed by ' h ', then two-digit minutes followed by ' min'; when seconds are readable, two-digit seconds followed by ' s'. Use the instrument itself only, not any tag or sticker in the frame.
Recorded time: 2 h 04 min 15 s
